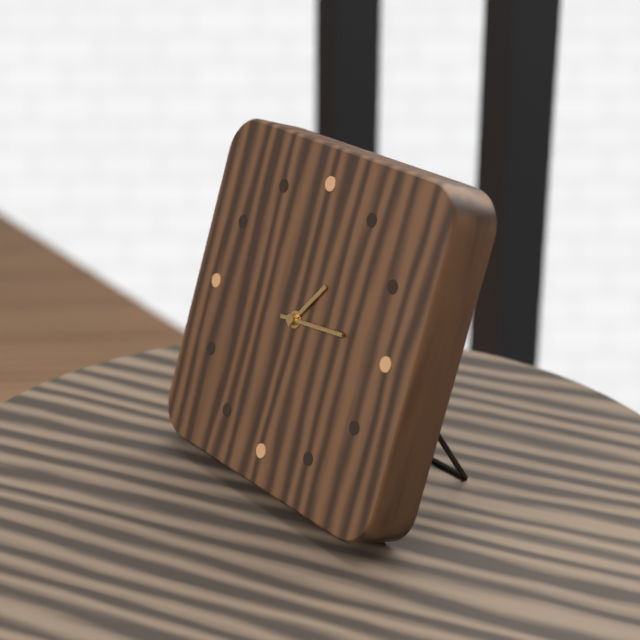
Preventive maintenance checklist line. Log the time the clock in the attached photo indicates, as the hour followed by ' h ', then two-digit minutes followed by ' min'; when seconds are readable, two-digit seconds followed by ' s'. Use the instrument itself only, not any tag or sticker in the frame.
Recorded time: 1 h 14 min
